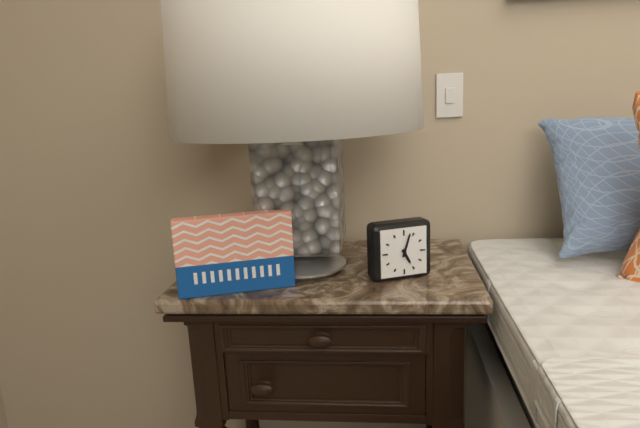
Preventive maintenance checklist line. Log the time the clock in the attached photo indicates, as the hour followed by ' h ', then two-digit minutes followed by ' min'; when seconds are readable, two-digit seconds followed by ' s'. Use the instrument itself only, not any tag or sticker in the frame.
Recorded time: 5 h 03 min
